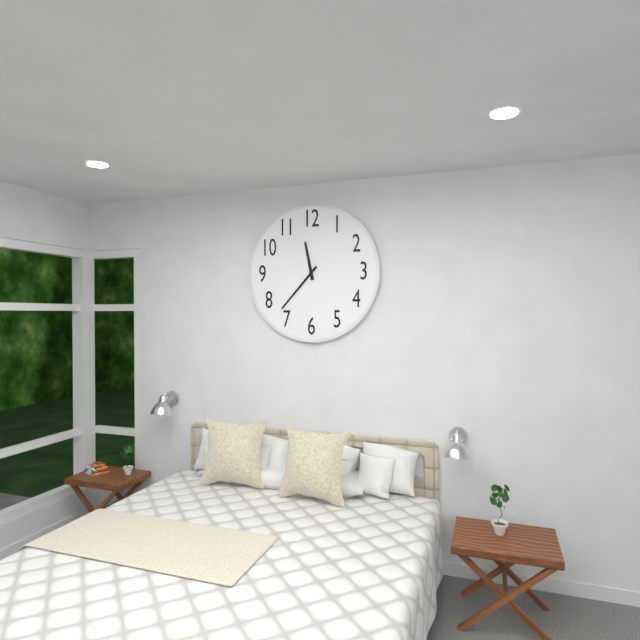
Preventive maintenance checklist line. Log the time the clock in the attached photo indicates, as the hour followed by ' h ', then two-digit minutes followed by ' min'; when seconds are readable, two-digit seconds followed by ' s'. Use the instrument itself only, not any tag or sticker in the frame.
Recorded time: 11 h 37 min
